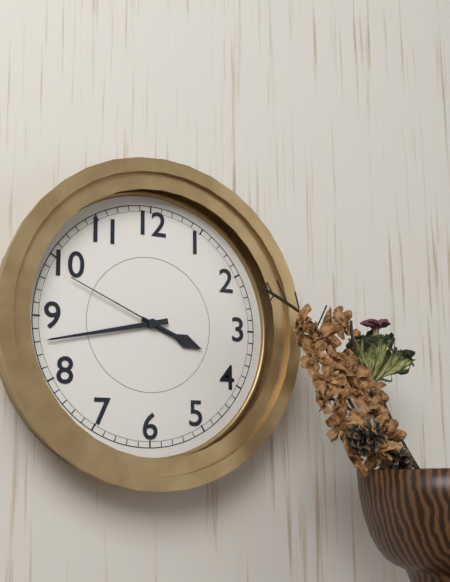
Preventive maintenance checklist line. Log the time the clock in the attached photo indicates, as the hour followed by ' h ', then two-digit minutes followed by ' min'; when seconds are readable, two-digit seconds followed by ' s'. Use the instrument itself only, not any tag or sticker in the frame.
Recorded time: 3 h 43 min 49 s
